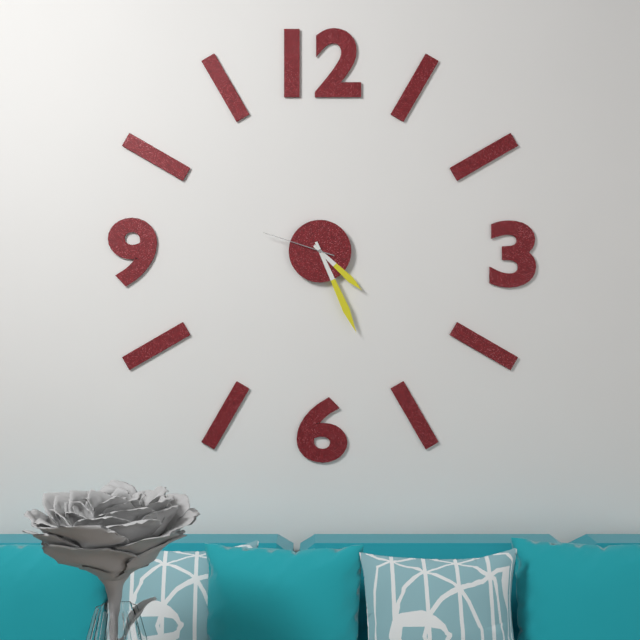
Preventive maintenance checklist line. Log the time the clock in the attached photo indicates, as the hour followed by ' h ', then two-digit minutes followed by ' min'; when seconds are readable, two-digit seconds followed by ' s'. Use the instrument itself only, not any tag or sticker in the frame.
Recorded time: 4 h 26 min 48 s
